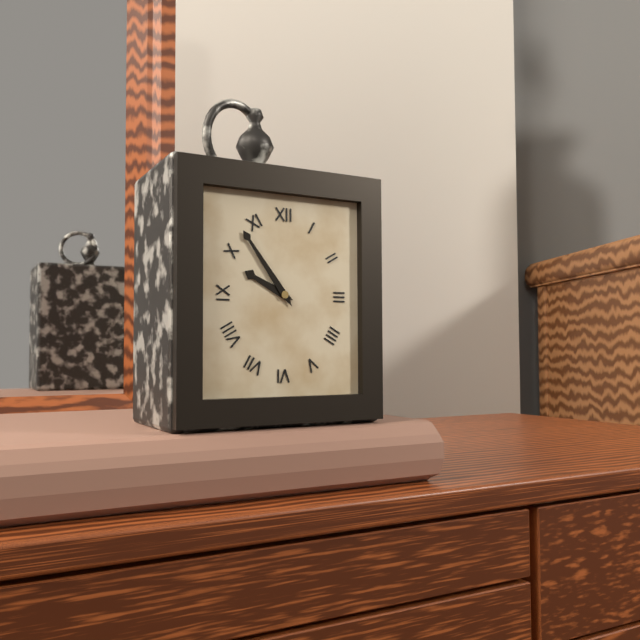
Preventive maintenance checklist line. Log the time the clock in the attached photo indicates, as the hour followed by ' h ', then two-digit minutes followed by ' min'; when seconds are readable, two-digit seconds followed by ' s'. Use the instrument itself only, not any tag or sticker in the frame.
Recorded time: 9 h 54 min
